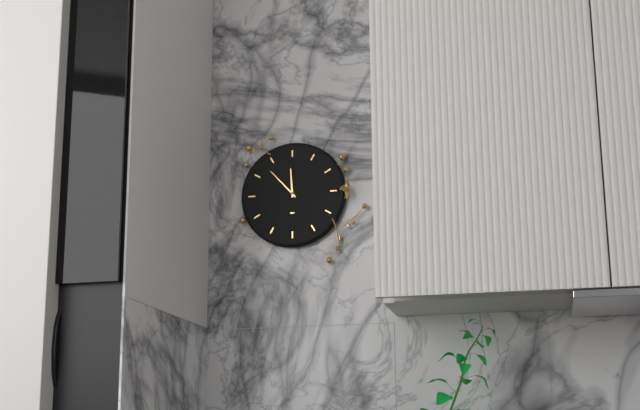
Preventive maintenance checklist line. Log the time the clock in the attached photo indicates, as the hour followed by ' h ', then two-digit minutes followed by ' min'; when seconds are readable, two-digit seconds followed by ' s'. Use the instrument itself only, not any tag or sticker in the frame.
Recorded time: 11 h 53 min
